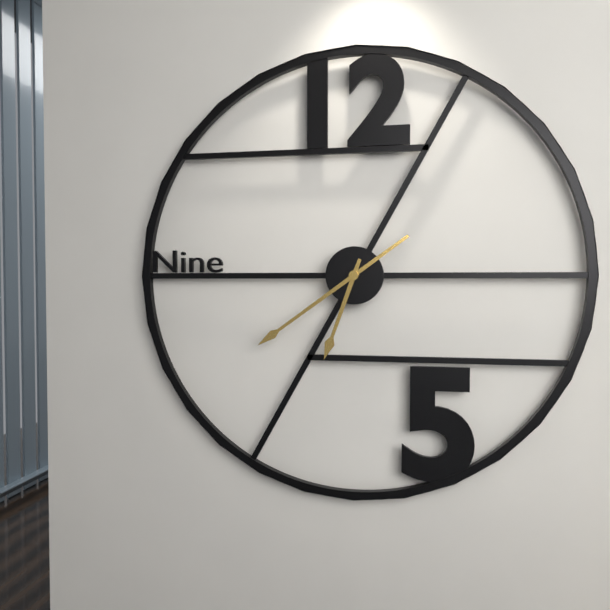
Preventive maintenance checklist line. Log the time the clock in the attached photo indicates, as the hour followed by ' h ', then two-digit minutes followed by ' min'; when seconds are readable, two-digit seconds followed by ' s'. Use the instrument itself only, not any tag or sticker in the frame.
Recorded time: 6 h 39 min
